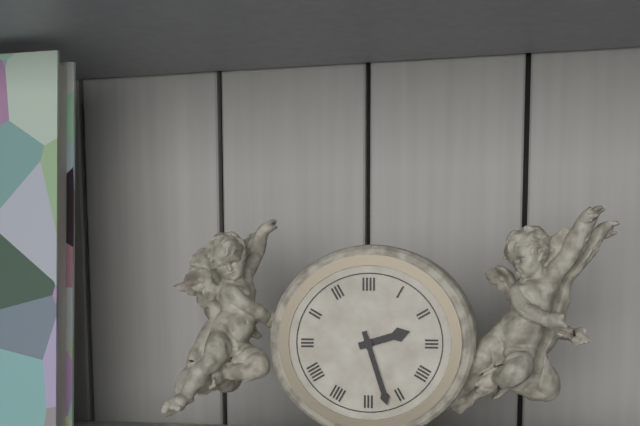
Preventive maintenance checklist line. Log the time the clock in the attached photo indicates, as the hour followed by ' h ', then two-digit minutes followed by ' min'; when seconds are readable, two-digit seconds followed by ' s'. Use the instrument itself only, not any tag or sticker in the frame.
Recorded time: 2 h 27 min
